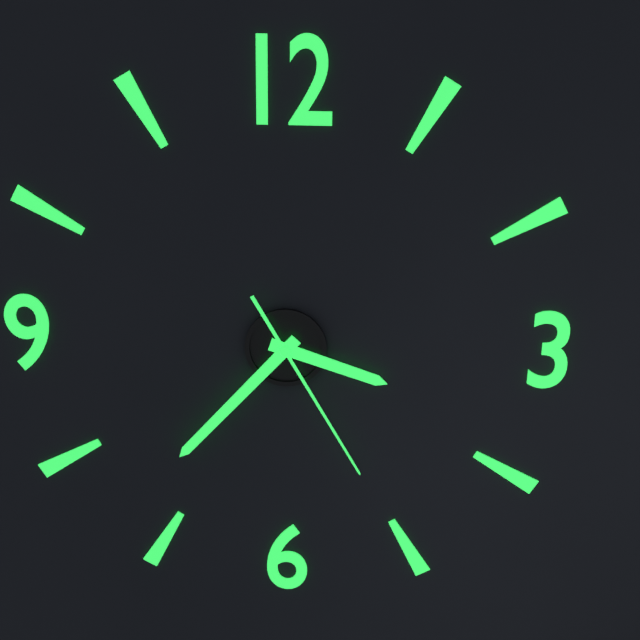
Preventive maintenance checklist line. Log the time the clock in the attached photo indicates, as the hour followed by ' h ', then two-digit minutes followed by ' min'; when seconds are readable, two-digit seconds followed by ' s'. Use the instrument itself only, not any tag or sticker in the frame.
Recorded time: 3 h 37 min 25 s
